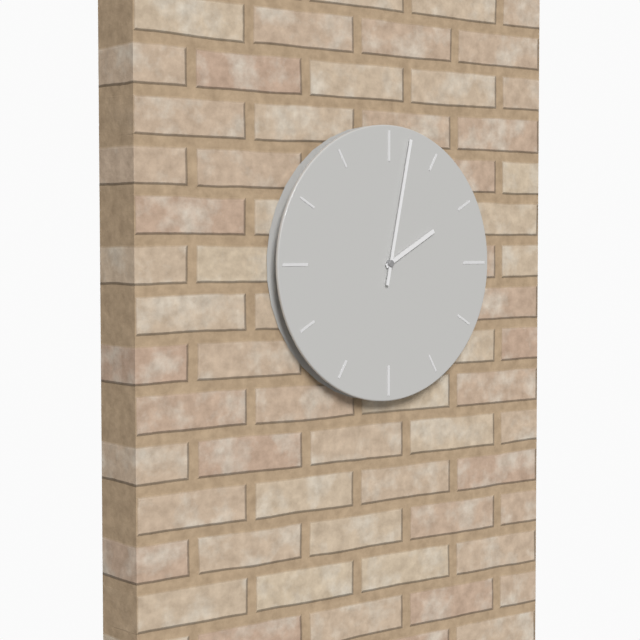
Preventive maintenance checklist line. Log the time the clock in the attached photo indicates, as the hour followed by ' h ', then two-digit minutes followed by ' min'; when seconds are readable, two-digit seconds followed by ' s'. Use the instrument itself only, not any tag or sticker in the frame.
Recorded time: 2 h 02 min
